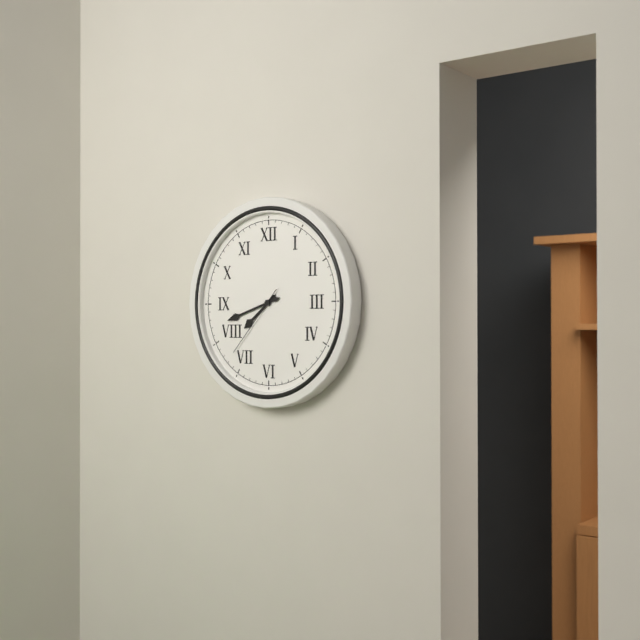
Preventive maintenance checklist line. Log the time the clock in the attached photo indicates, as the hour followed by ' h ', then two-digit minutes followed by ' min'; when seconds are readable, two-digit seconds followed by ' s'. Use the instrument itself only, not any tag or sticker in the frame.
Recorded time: 7 h 42 min 37 s
